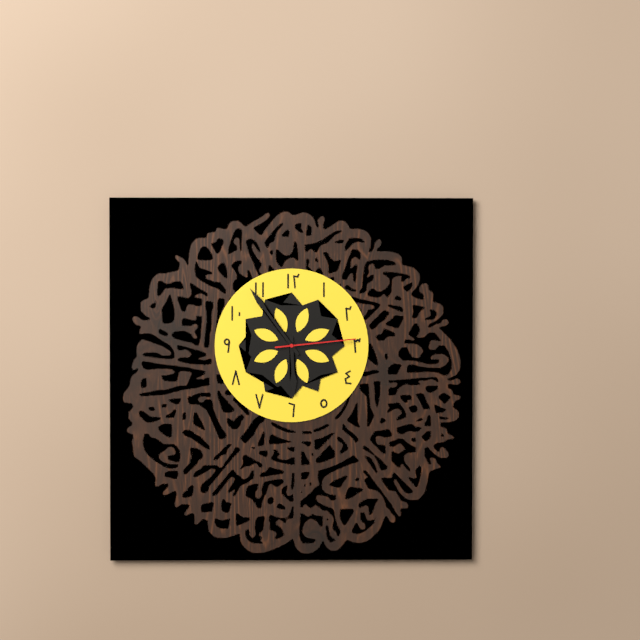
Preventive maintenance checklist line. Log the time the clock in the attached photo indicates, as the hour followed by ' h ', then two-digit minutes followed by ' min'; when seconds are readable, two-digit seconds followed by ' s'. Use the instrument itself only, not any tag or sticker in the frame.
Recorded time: 5 h 54 min 14 s
